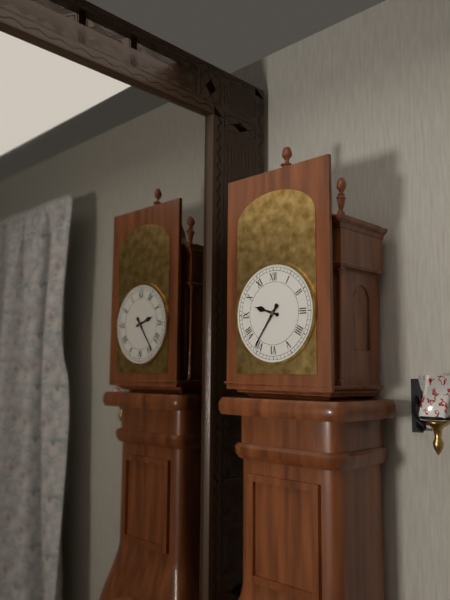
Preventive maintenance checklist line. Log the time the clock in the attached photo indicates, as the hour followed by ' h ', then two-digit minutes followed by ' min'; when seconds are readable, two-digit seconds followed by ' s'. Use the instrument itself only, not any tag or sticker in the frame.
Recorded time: 9 h 36 min
